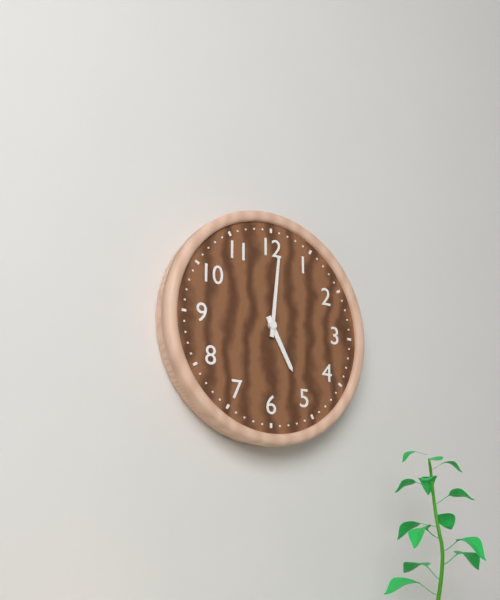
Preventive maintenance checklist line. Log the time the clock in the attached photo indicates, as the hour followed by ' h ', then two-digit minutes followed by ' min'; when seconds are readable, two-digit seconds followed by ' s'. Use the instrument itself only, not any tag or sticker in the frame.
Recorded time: 5 h 01 min
